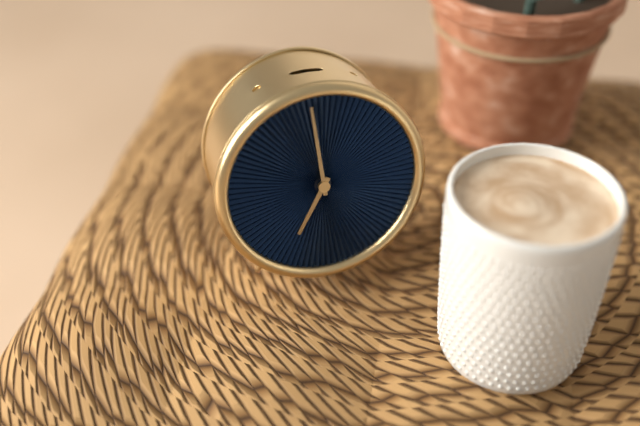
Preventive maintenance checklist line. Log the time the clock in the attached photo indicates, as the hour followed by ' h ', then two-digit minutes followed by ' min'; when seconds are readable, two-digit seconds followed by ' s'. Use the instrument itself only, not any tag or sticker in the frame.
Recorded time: 6 h 59 min
